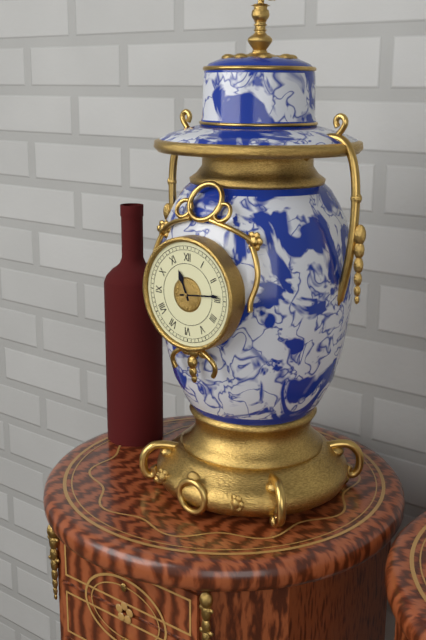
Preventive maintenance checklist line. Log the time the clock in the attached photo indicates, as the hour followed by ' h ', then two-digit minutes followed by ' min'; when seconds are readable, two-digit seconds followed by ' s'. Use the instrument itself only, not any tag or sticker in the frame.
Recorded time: 11 h 14 min
